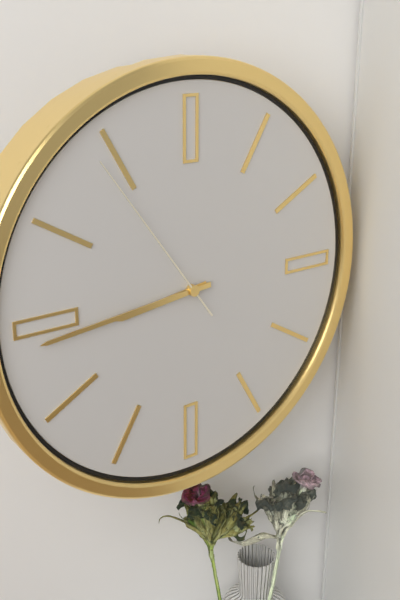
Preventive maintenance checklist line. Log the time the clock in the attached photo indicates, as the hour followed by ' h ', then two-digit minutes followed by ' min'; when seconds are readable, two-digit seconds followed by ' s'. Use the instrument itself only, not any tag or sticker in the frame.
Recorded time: 8 h 44 min 54 s
